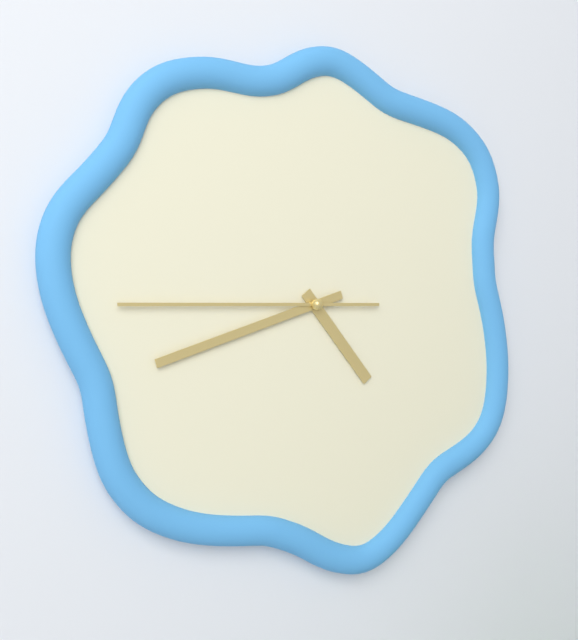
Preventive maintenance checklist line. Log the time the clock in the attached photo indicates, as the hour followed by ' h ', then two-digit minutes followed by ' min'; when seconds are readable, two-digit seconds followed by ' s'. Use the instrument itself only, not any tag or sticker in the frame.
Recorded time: 4 h 42 min 45 s
